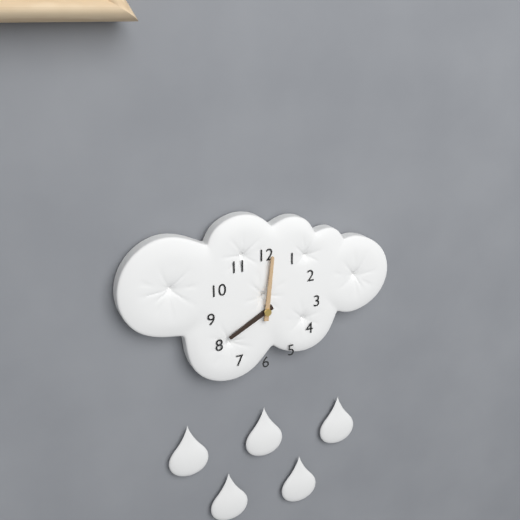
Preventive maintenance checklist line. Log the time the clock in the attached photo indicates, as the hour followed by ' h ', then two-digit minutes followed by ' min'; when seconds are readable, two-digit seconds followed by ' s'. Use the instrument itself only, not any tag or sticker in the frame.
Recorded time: 8 h 01 min
